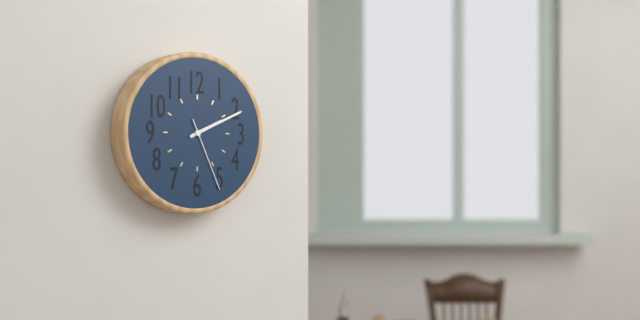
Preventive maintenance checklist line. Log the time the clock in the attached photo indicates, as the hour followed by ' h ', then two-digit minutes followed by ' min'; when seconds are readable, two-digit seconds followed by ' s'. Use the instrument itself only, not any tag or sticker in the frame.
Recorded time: 2 h 11 min 26 s
